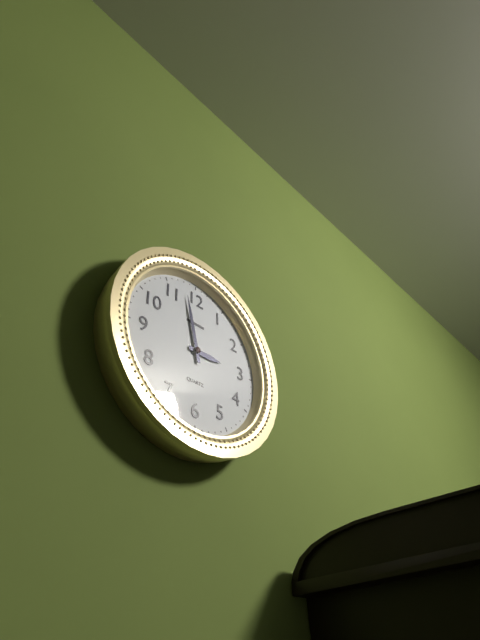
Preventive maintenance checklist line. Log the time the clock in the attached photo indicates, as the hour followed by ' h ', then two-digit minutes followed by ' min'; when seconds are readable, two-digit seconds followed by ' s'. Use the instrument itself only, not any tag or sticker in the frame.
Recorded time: 2 h 58 min
